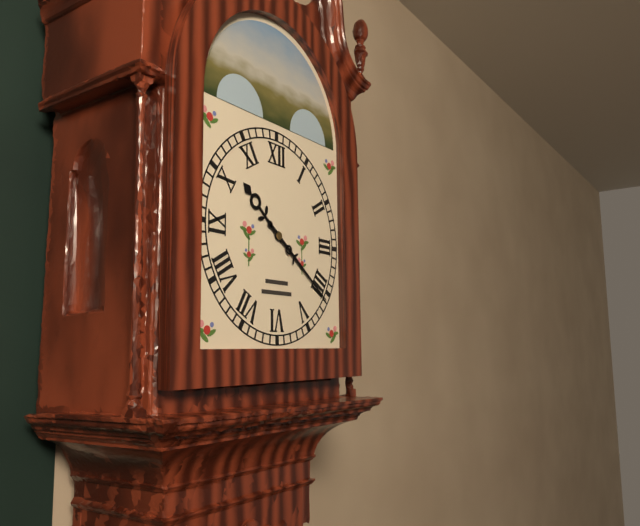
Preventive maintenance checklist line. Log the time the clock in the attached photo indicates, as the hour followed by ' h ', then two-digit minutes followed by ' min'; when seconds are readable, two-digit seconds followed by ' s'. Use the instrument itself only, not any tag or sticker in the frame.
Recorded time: 10 h 21 min
